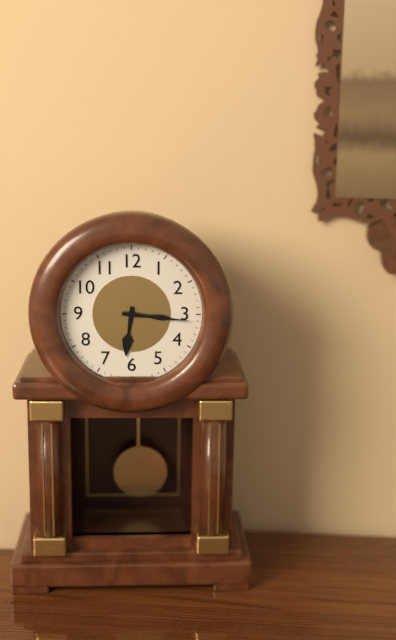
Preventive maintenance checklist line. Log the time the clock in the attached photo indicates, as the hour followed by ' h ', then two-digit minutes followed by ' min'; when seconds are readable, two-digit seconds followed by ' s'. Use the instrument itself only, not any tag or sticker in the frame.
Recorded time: 6 h 16 min
